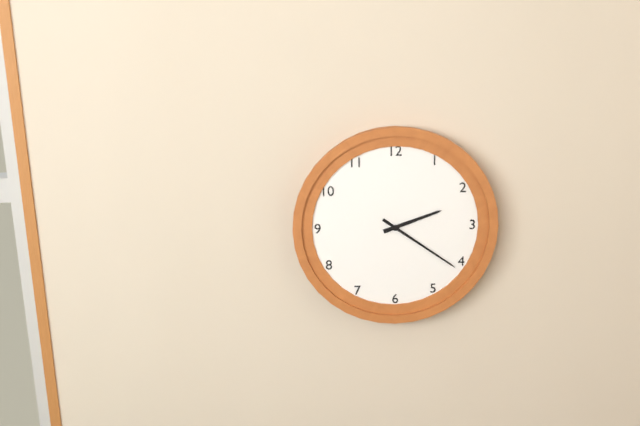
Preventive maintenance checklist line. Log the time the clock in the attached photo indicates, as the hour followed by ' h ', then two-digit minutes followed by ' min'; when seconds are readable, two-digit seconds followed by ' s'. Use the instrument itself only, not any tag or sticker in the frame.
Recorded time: 2 h 21 min
